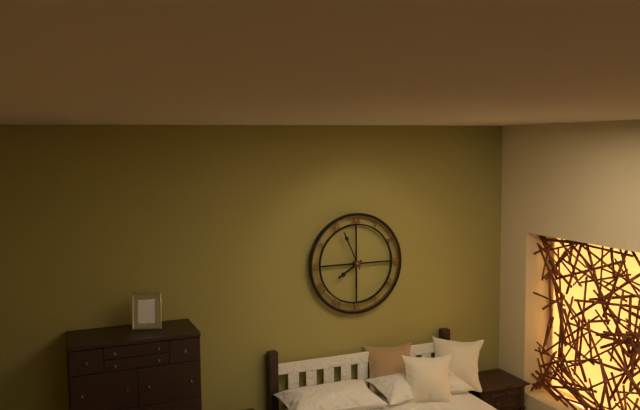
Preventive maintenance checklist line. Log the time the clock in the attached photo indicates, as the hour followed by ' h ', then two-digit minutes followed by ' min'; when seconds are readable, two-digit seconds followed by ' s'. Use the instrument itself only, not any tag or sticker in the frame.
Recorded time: 7 h 56 min
